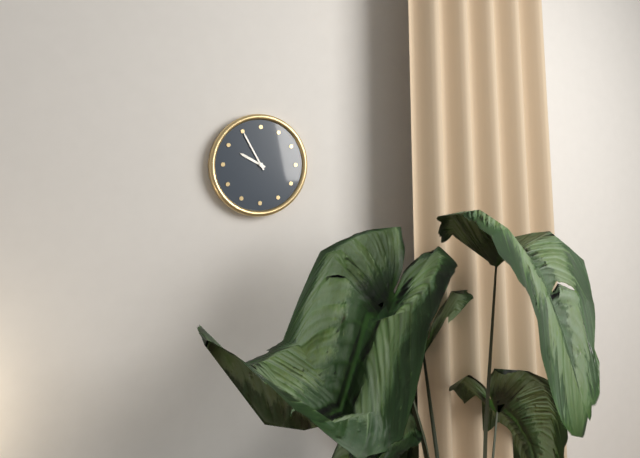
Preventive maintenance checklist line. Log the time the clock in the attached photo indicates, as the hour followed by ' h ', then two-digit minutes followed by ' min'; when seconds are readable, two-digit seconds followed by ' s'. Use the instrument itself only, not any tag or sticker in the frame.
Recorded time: 9 h 55 min
